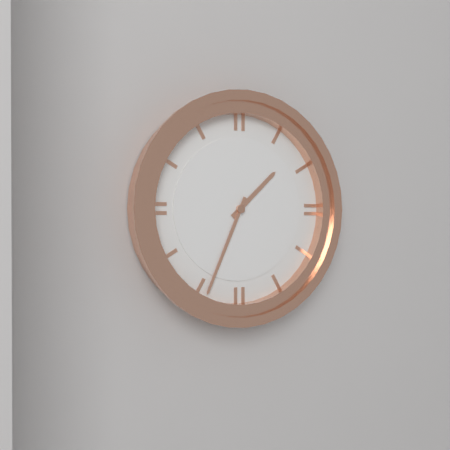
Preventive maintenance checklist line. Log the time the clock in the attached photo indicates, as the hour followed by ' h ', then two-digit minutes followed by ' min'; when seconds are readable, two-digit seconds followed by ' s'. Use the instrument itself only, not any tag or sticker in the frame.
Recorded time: 1 h 34 min
